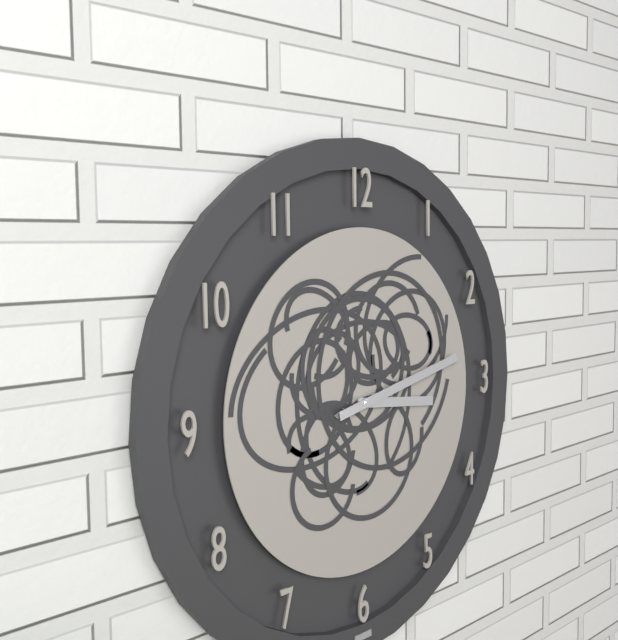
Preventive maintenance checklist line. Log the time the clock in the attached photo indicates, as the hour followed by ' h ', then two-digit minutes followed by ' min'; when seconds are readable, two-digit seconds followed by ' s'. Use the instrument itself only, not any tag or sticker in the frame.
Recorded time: 3 h 13 min
